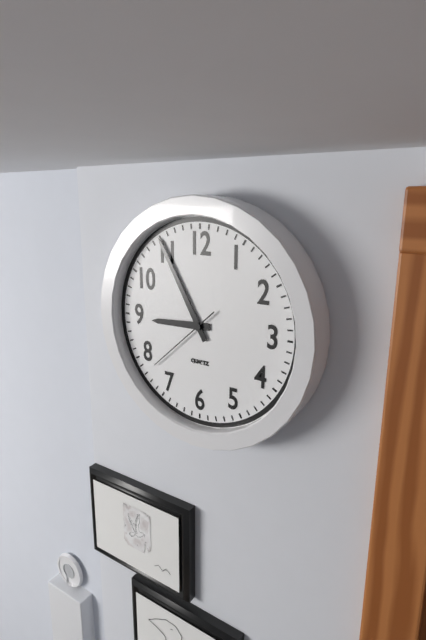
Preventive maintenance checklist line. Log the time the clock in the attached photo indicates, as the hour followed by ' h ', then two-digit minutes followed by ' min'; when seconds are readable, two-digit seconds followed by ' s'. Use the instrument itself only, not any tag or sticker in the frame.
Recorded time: 8 h 55 min 38 s
